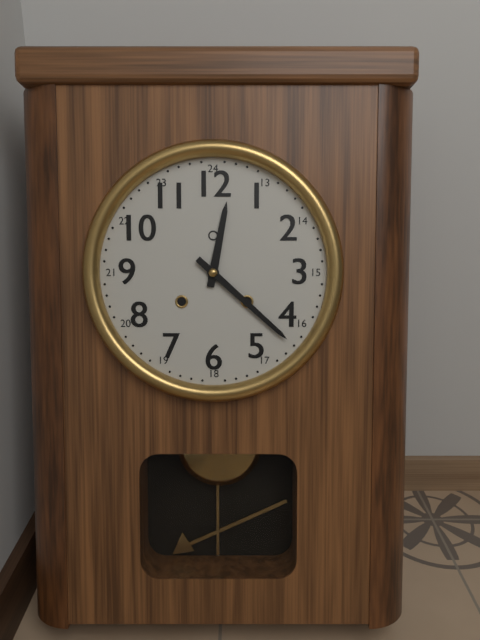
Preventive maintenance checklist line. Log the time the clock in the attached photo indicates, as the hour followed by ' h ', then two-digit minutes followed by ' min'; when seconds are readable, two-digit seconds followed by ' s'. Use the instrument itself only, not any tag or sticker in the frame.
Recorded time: 12 h 22 min
